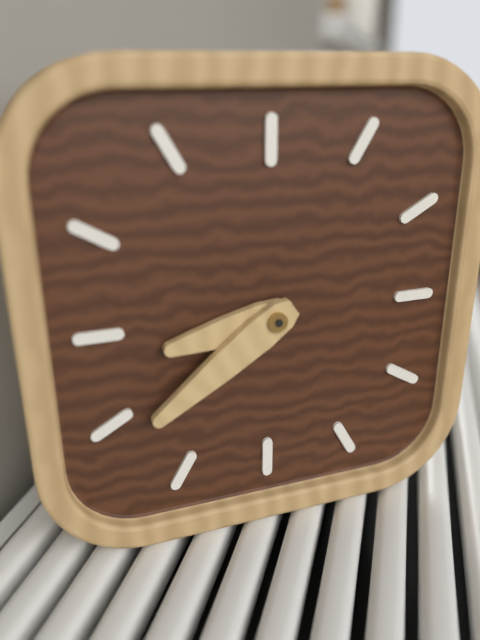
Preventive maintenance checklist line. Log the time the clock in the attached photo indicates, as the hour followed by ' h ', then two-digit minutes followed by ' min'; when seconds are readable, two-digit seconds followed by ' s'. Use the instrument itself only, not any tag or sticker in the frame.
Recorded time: 8 h 39 min
